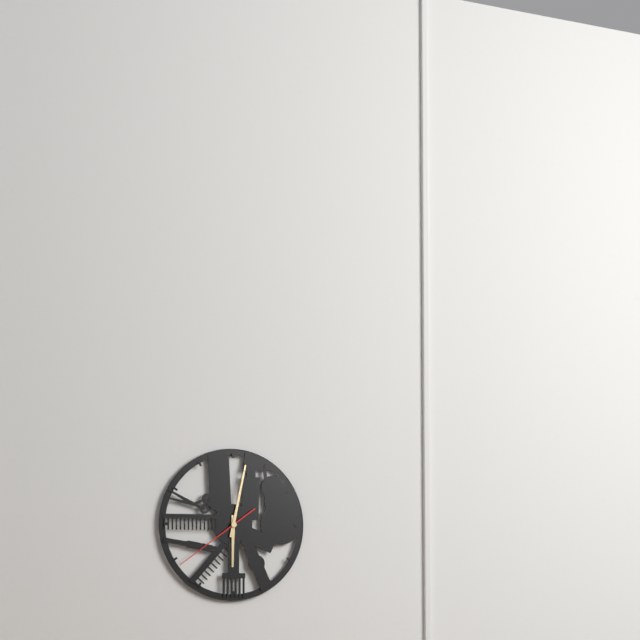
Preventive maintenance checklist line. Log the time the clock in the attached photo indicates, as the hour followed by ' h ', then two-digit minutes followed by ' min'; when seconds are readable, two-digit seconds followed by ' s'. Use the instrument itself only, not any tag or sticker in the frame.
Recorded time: 6 h 02 min 39 s
